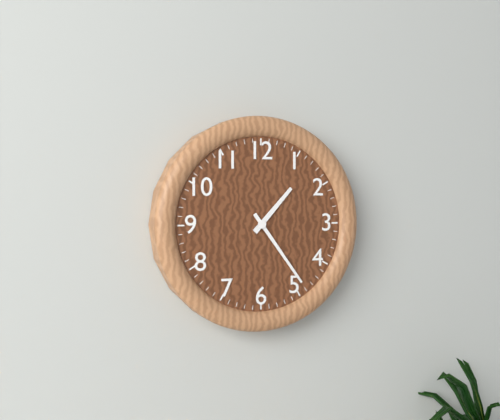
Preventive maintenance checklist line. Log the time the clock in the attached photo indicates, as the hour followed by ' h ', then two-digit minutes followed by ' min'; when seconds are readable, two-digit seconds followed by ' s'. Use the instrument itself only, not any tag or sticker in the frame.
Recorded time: 1 h 24 min
